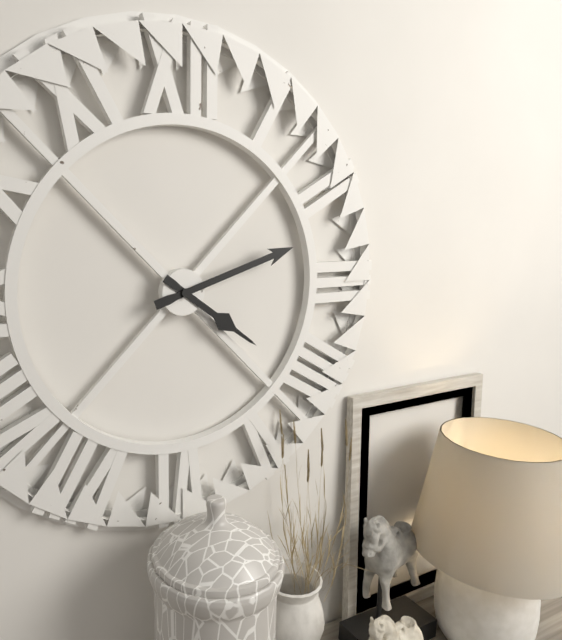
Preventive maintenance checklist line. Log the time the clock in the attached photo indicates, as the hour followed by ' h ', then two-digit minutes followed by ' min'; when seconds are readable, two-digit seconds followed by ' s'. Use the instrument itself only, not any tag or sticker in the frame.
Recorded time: 4 h 12 min
